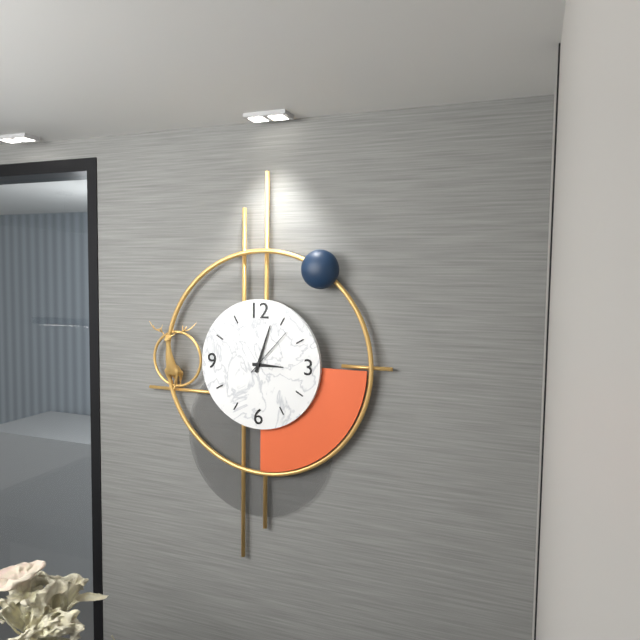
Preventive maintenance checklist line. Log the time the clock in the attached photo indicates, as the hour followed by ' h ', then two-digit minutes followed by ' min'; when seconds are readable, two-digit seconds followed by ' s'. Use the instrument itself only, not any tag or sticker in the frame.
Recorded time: 3 h 03 min
